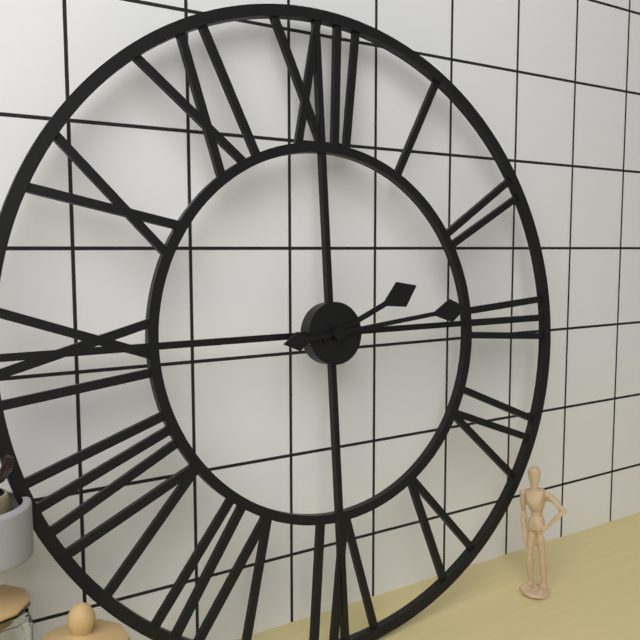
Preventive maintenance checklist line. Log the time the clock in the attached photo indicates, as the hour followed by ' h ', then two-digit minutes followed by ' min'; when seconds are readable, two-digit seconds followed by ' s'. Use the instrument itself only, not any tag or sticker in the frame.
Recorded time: 2 h 14 min
